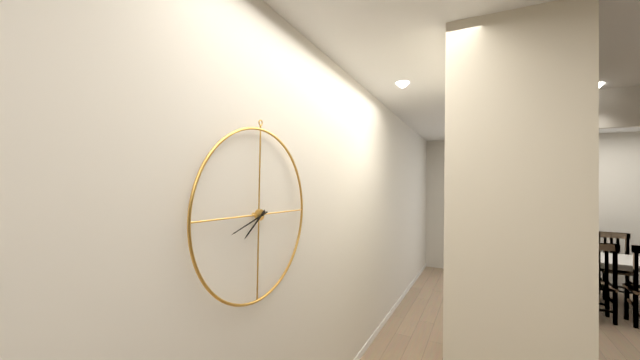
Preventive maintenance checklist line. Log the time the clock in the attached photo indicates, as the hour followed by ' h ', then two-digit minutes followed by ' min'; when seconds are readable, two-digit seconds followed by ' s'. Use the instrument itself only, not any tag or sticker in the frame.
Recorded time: 7 h 42 min
